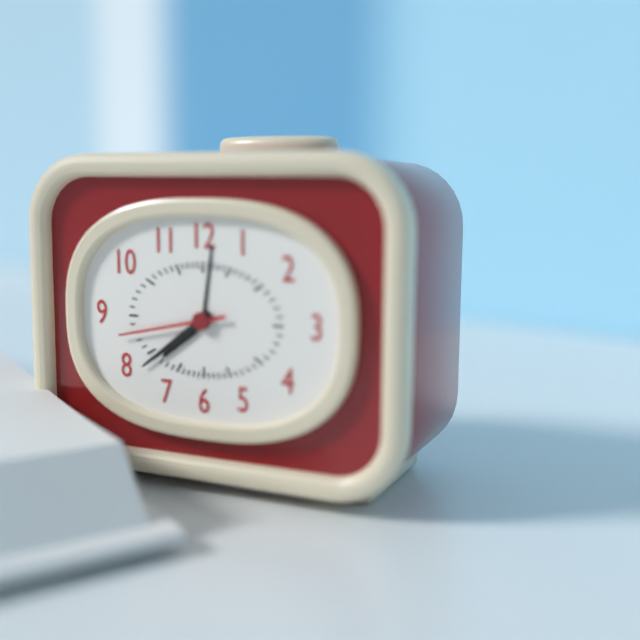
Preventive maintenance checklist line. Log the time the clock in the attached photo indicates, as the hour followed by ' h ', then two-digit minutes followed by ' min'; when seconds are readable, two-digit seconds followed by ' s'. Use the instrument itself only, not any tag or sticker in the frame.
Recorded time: 7 h 39 min 43 s
